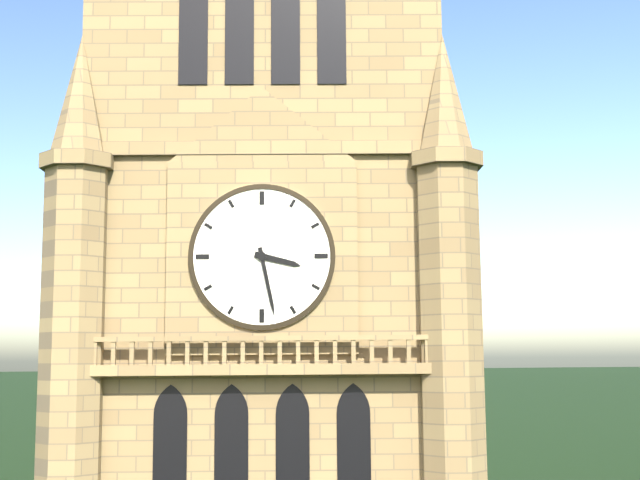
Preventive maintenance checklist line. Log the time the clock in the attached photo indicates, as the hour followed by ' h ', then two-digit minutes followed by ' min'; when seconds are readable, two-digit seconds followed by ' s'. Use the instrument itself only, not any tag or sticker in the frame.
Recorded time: 3 h 28 min
